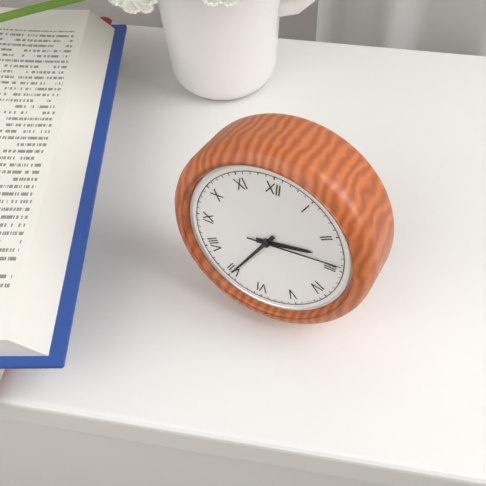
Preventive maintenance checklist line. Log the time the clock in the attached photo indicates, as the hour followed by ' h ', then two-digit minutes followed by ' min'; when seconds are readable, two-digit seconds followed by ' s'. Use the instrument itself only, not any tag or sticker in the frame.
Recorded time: 2 h 35 min 14 s
